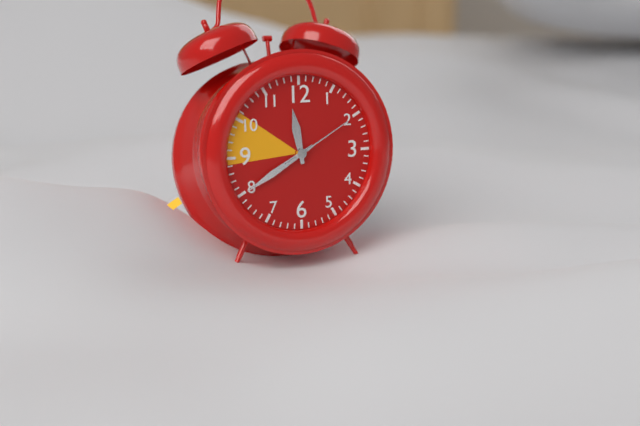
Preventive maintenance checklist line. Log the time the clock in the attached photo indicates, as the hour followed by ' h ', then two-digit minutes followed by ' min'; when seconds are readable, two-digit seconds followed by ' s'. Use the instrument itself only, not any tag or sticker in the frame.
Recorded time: 11 h 40 min 10 s
